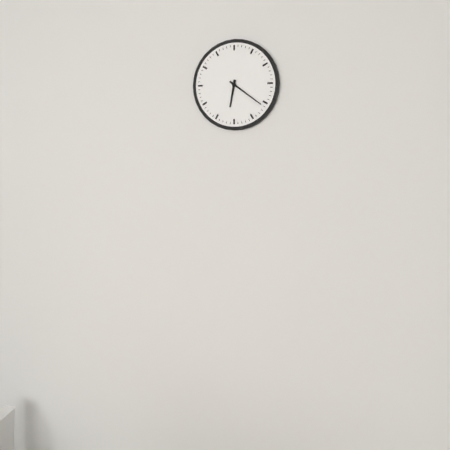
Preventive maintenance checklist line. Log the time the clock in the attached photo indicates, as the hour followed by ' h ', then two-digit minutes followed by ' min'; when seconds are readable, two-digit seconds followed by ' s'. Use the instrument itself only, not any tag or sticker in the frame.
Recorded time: 6 h 21 min
